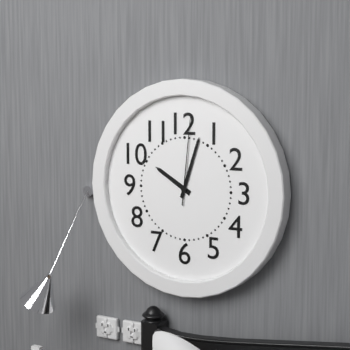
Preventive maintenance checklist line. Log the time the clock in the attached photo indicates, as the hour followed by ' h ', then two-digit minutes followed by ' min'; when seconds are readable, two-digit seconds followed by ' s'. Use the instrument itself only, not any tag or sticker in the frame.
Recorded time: 10 h 03 min 01 s
